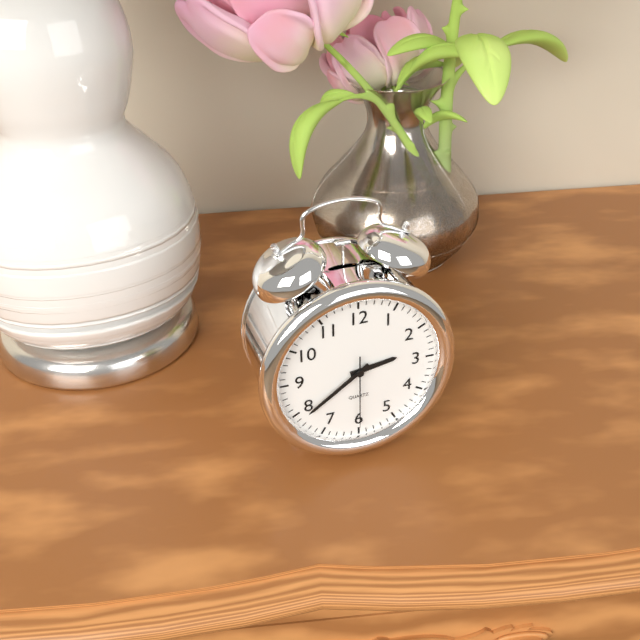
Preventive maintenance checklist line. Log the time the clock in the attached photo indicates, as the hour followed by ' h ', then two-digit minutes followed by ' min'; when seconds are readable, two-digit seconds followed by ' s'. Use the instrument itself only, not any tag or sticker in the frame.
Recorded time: 2 h 39 min 30 s
